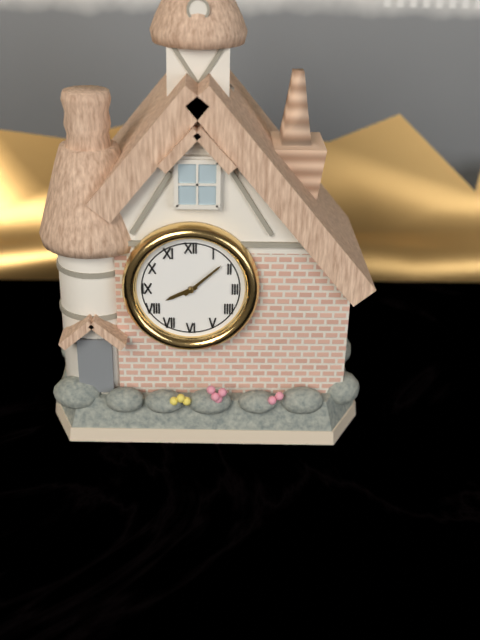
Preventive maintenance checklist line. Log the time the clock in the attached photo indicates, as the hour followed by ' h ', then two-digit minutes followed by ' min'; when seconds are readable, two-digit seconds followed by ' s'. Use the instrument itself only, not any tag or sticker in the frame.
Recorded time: 8 h 08 min
